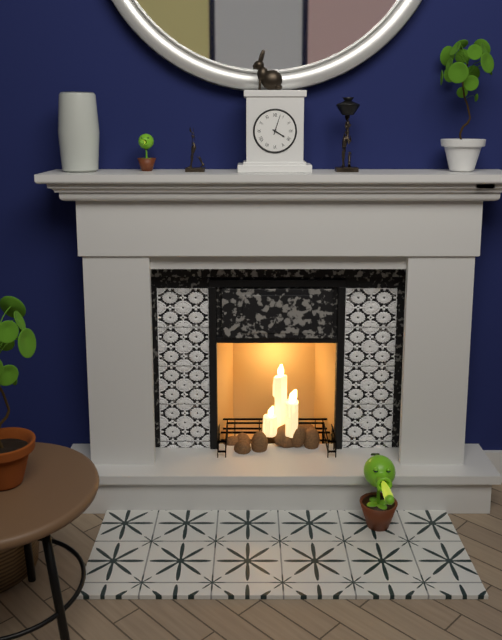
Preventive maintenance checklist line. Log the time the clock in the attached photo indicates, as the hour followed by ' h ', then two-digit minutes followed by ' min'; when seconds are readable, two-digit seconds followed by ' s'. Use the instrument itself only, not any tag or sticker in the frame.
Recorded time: 4 h 03 min
